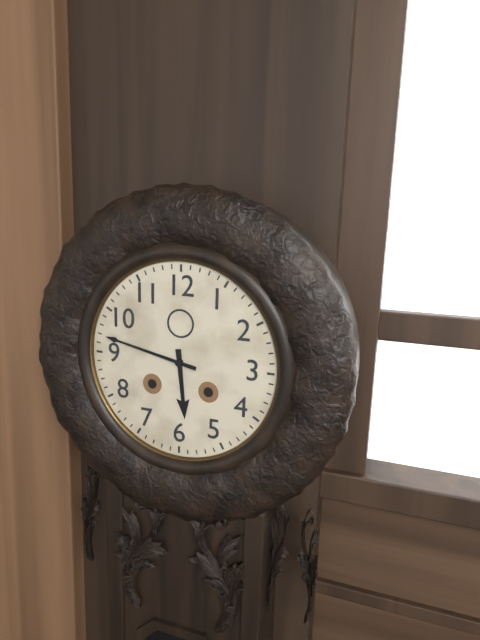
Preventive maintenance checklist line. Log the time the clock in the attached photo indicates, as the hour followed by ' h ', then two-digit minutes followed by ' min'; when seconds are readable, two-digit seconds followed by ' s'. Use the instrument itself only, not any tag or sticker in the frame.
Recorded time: 5 h 47 min
